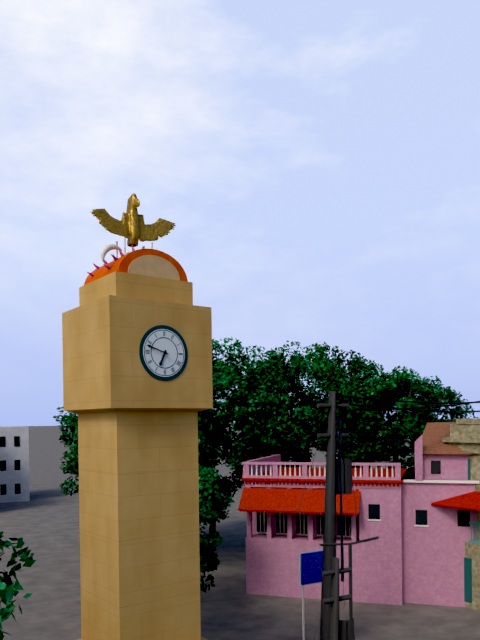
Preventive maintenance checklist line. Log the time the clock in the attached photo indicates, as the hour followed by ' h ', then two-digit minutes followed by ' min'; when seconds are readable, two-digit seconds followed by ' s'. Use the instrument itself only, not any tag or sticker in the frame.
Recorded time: 6 h 48 min
